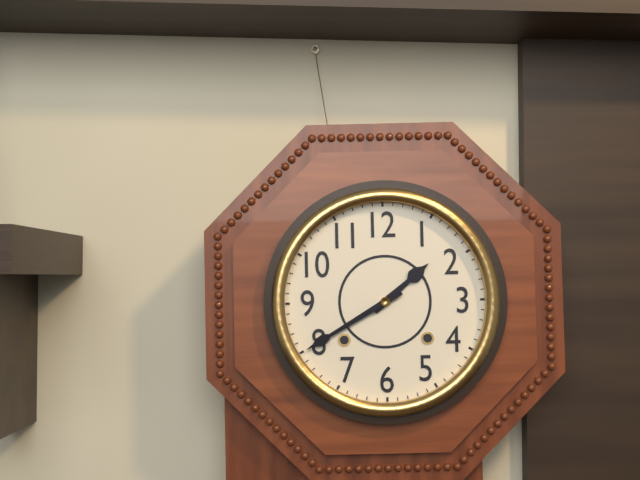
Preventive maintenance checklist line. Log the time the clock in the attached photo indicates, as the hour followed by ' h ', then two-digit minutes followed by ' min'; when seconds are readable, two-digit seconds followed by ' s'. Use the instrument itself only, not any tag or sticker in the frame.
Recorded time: 1 h 40 min
